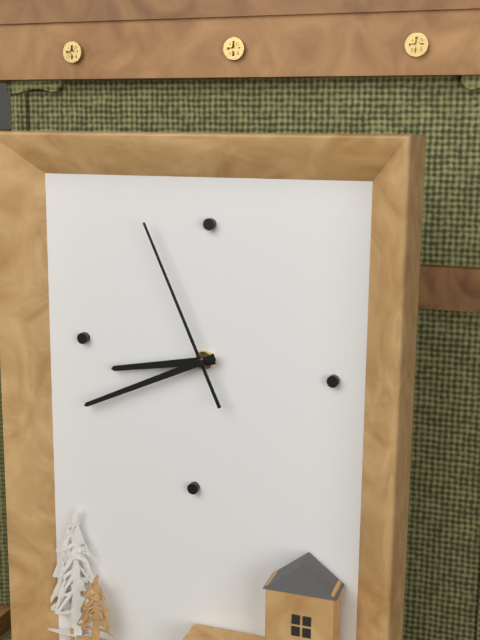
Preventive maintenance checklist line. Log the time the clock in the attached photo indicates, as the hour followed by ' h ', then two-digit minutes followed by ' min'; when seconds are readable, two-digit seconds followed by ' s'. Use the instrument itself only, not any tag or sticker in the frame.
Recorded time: 8 h 41 min 56 s
